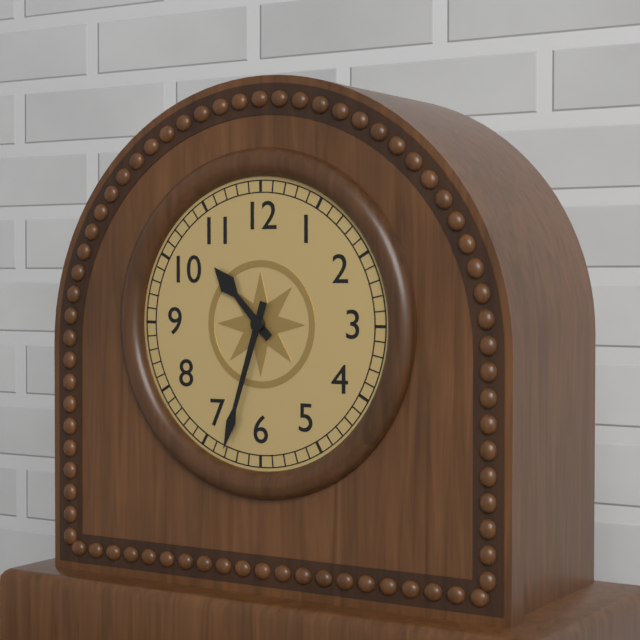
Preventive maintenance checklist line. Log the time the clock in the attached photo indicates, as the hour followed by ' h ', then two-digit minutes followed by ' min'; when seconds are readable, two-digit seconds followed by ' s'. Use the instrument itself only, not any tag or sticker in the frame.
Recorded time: 10 h 33 min
